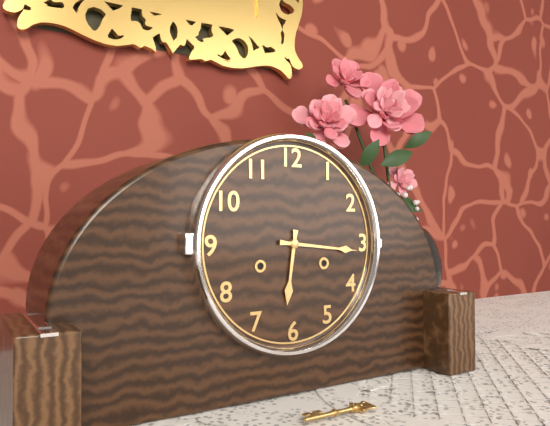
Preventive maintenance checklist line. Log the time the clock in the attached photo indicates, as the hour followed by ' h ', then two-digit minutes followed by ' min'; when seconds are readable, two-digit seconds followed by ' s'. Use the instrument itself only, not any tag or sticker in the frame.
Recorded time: 6 h 16 min
